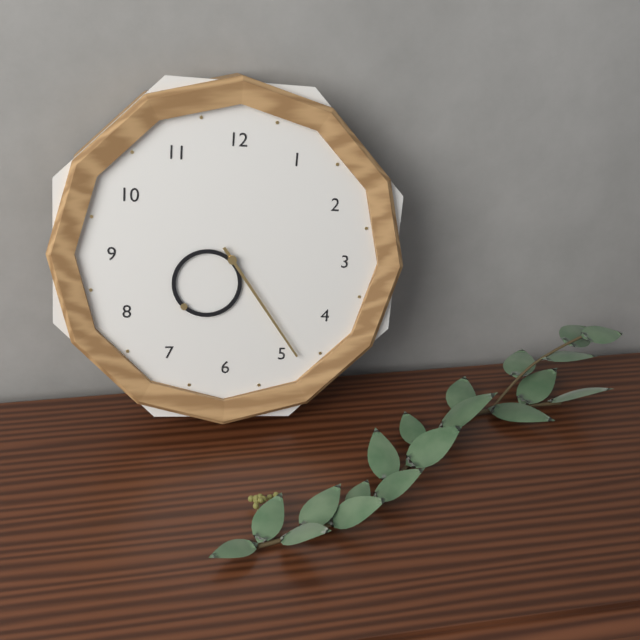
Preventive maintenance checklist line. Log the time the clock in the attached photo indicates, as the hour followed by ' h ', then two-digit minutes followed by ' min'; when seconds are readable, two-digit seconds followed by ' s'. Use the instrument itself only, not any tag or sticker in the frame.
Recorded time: 7 h 24 min
